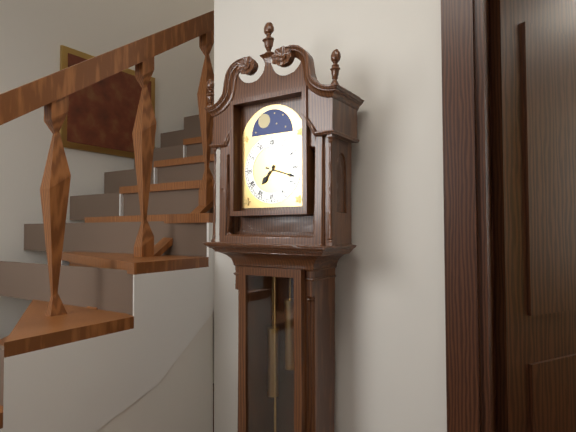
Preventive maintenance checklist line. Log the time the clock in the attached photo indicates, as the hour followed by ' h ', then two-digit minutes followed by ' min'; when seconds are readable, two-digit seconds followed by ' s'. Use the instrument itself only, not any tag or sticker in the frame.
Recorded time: 7 h 18 min
